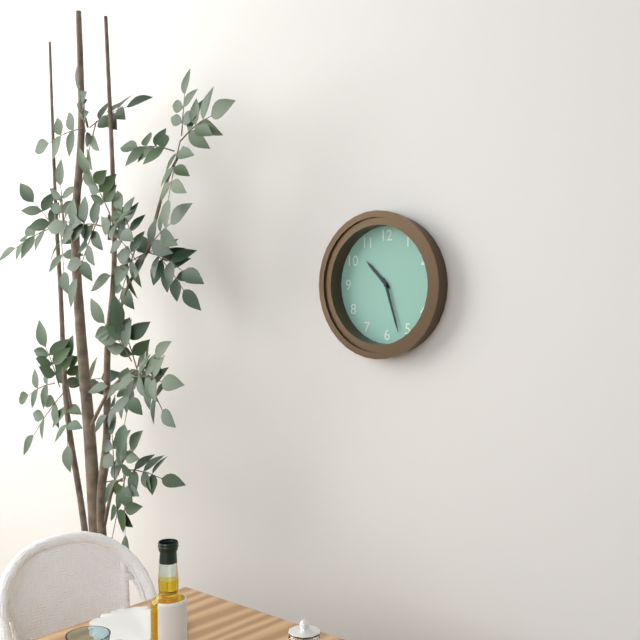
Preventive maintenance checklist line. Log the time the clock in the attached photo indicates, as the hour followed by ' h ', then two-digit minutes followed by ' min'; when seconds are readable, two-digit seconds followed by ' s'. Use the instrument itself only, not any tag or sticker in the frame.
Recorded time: 10 h 27 min
